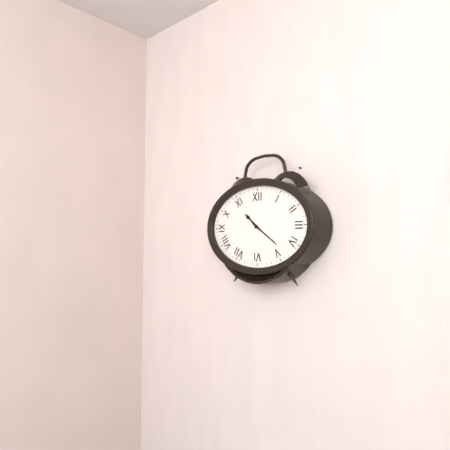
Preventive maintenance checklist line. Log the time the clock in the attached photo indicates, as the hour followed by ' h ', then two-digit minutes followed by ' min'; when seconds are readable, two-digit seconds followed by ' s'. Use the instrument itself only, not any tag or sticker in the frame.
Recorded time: 10 h 21 min
